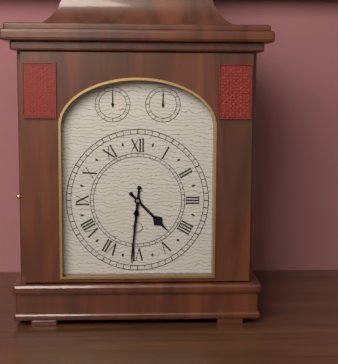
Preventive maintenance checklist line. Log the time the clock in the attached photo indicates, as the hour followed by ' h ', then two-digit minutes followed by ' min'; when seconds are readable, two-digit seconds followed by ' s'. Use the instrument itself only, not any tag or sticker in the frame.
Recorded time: 4 h 31 min
